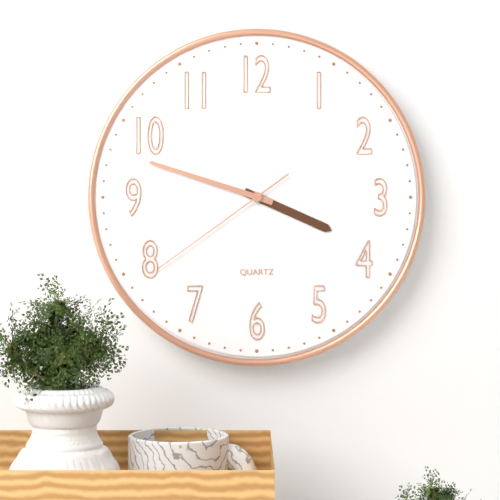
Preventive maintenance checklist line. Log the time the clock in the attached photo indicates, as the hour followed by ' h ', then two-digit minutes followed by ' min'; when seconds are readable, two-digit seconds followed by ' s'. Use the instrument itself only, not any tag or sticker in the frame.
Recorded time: 3 h 48 min 39 s
